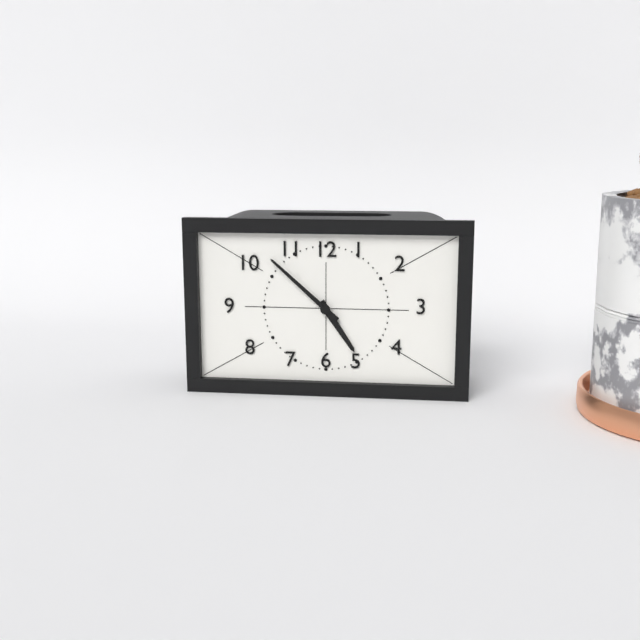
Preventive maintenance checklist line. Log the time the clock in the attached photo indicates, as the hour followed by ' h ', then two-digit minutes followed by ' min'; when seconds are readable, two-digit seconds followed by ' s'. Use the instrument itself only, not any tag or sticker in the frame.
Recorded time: 4 h 52 min
